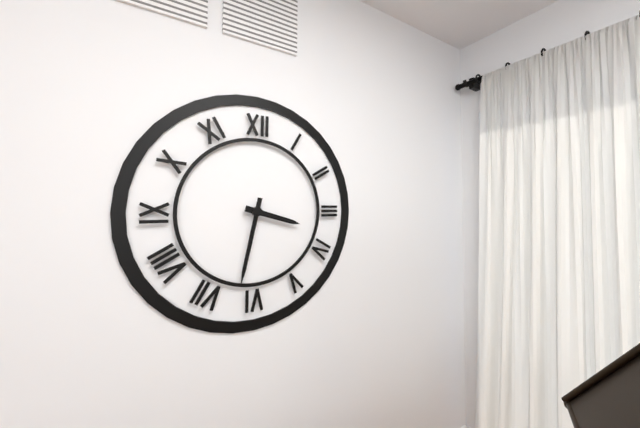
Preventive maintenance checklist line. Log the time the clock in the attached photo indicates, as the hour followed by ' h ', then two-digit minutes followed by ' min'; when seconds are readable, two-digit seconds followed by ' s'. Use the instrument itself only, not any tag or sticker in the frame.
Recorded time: 3 h 32 min
